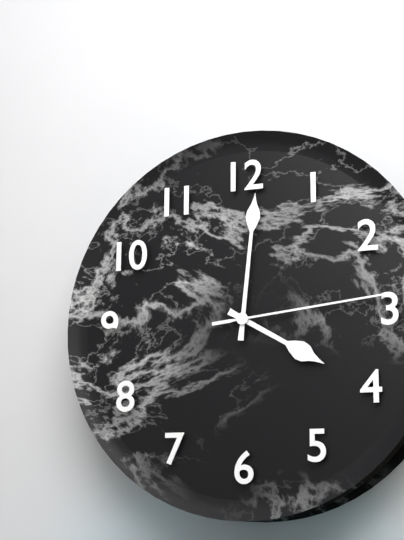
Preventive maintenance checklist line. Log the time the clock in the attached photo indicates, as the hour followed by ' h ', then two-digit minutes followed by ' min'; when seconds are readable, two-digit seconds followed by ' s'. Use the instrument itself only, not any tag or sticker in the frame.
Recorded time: 4 h 01 min 14 s
